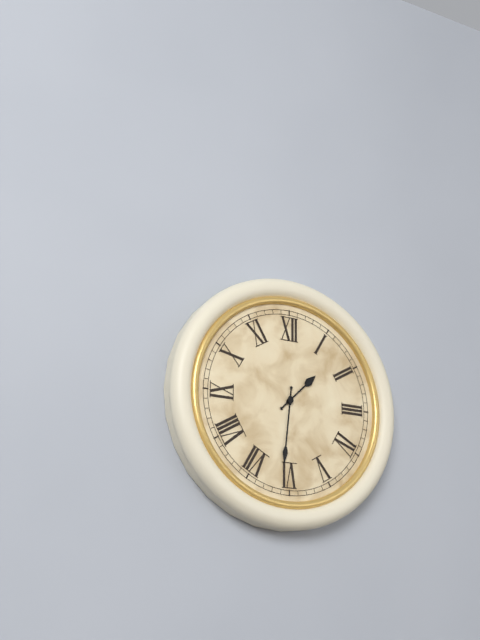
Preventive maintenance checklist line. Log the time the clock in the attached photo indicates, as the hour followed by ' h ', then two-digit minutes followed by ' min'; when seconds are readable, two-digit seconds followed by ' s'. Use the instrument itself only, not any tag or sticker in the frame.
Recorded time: 1 h 31 min
